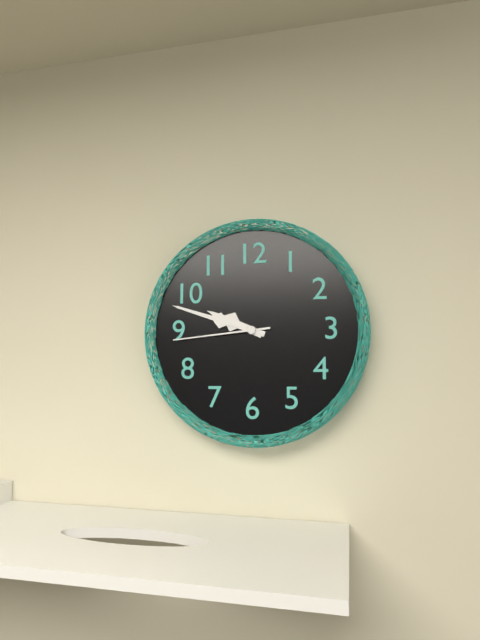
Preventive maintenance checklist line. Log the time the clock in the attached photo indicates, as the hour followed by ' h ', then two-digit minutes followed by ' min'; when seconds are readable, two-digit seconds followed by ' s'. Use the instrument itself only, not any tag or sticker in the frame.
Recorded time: 9 h 48 min 44 s
